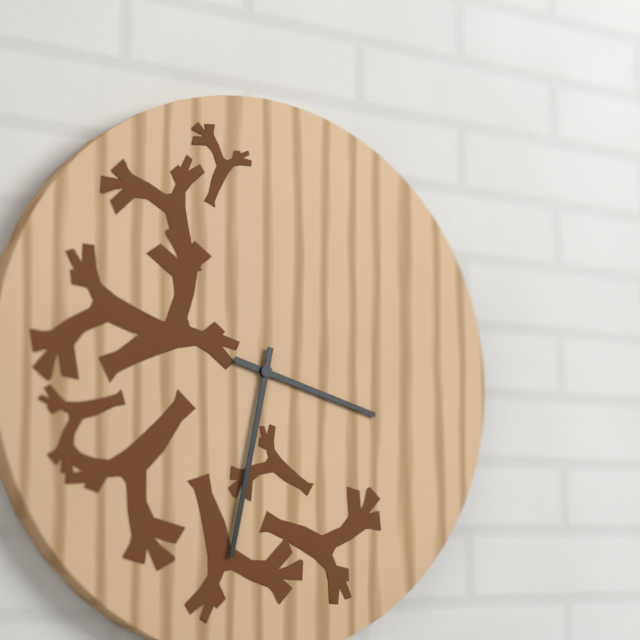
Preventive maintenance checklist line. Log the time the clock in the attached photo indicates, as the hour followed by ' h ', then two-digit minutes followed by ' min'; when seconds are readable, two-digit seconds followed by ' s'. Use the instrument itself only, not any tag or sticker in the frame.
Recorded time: 3 h 32 min
